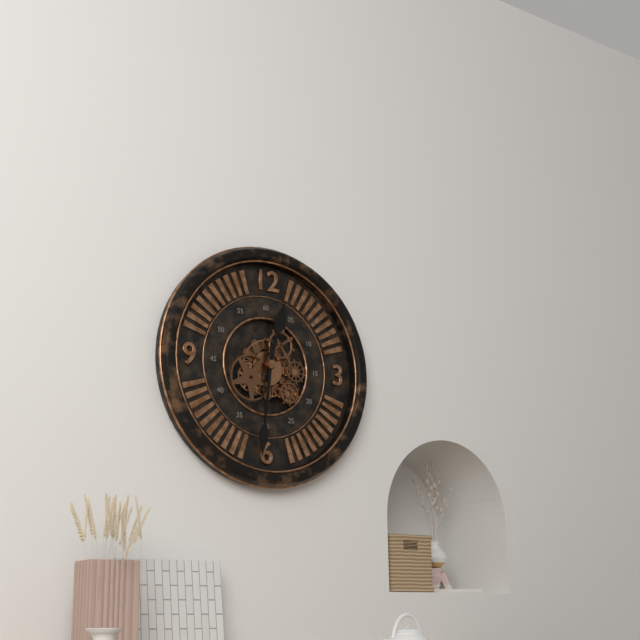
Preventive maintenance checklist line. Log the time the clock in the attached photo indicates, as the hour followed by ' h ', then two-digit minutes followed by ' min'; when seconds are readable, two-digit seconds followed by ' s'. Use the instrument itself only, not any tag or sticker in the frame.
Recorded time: 12 h 31 min
